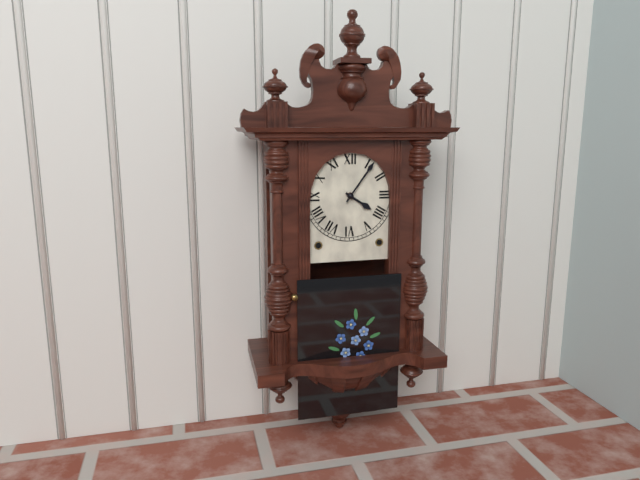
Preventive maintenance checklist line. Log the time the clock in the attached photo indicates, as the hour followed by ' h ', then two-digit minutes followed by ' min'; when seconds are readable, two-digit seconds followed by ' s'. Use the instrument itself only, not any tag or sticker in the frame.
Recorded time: 4 h 06 min
